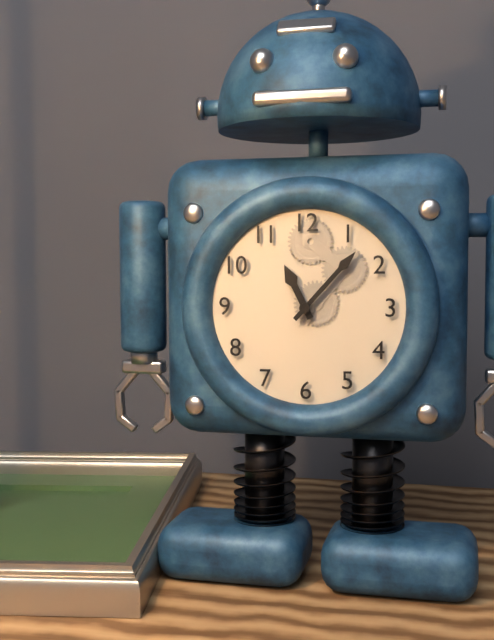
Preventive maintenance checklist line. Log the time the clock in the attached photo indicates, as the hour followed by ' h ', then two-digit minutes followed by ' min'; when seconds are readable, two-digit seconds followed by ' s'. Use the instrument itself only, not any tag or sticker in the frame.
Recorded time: 11 h 07 min
